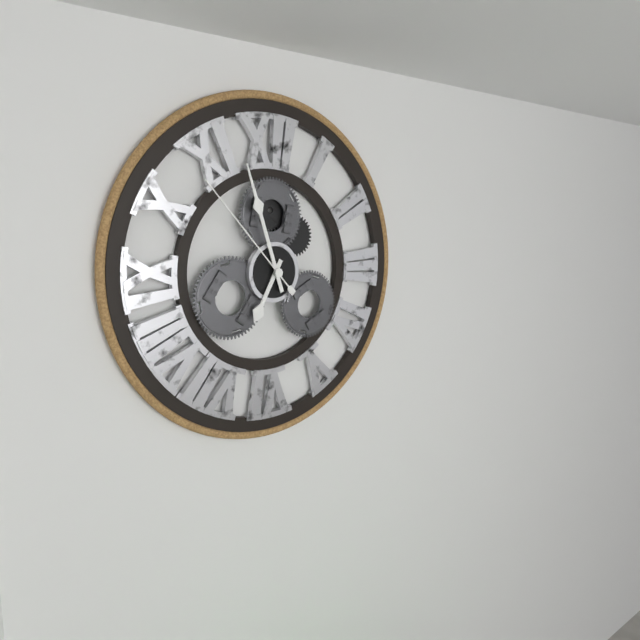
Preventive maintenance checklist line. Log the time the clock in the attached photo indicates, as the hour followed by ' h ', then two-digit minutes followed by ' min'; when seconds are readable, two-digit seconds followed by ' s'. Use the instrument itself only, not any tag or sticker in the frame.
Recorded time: 6 h 57 min 53 s
